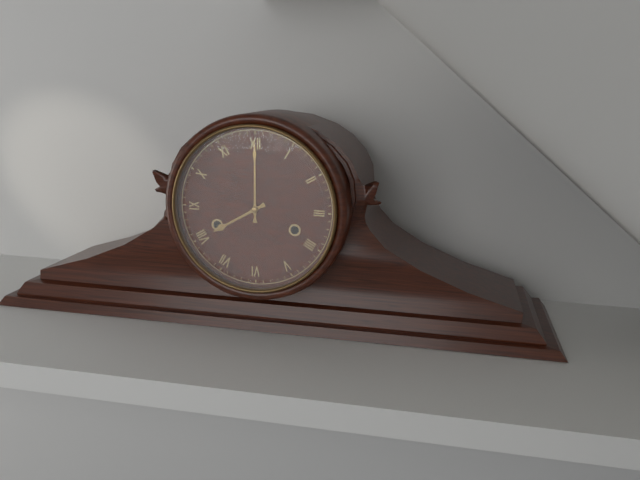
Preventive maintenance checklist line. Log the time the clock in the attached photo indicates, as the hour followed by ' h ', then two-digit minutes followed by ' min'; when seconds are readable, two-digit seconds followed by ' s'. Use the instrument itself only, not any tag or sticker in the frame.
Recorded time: 8 h 00 min
